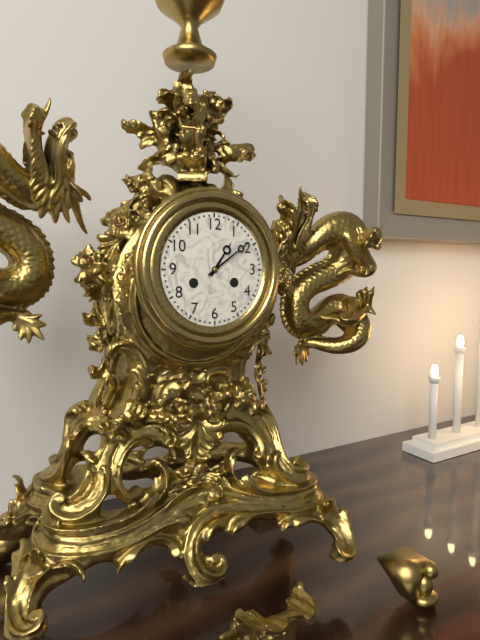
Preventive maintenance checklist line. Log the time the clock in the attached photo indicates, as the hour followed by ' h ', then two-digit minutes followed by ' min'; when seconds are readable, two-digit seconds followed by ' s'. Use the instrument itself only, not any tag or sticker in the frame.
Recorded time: 1 h 09 min
